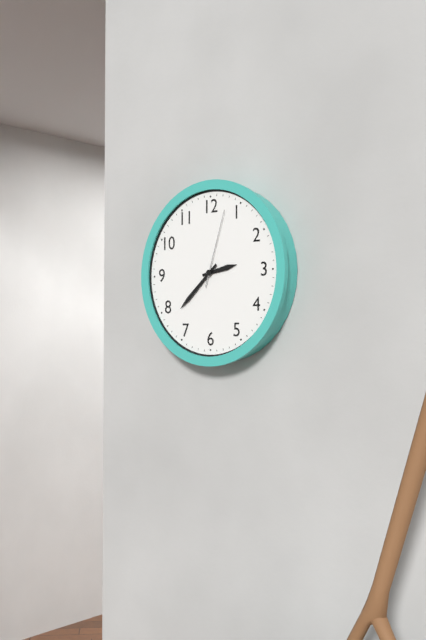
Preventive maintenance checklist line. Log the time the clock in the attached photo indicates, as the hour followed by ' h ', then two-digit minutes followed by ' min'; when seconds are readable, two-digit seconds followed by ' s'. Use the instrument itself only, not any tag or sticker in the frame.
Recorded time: 2 h 38 min 03 s
